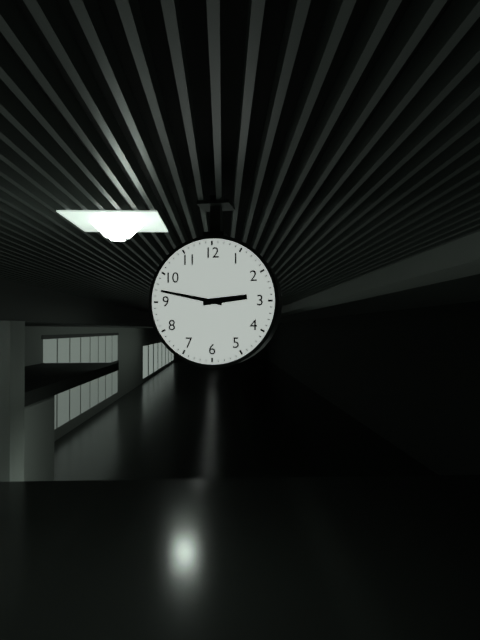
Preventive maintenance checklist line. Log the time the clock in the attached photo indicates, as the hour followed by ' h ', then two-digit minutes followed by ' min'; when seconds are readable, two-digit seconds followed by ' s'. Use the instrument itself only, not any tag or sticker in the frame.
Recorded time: 2 h 47 min
